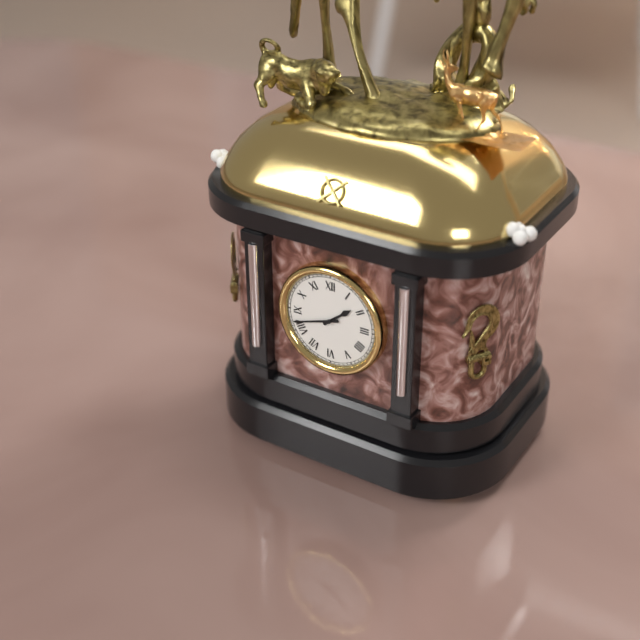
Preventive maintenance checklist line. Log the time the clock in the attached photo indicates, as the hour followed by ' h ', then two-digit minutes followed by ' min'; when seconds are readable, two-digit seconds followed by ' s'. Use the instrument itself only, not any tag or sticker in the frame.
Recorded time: 1 h 42 min
